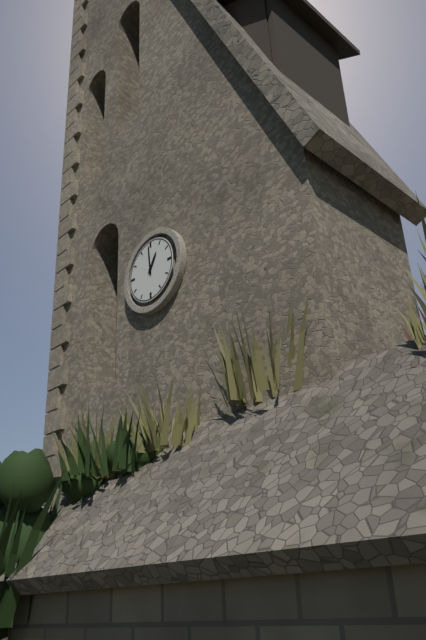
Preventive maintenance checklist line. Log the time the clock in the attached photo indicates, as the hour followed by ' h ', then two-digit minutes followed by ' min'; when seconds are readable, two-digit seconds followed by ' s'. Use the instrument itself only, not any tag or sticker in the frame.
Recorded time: 12 h 59 min
